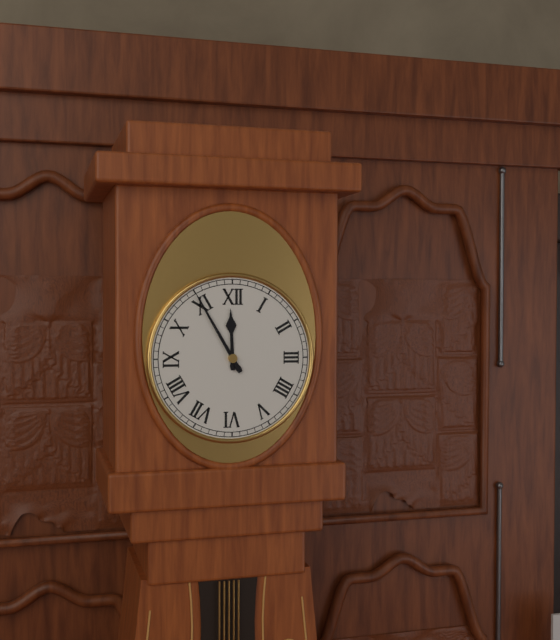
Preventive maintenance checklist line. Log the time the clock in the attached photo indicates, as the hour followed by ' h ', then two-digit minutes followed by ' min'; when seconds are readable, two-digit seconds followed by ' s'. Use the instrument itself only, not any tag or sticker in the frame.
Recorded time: 11 h 55 min
